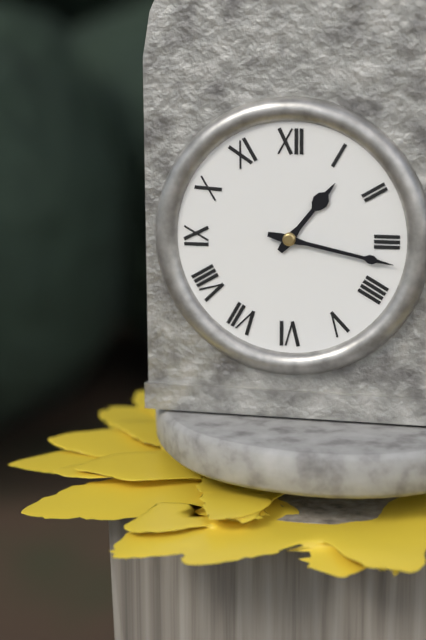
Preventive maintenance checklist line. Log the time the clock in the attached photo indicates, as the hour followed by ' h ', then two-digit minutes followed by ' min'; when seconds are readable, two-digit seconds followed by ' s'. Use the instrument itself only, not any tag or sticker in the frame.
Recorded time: 1 h 17 min
